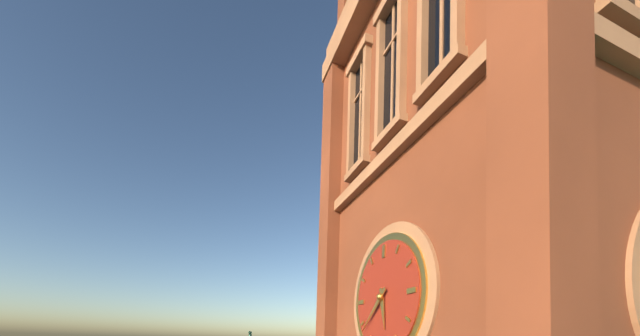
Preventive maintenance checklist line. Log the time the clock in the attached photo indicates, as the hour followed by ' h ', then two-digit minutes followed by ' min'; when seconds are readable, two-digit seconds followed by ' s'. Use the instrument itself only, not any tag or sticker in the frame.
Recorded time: 5 h 38 min
